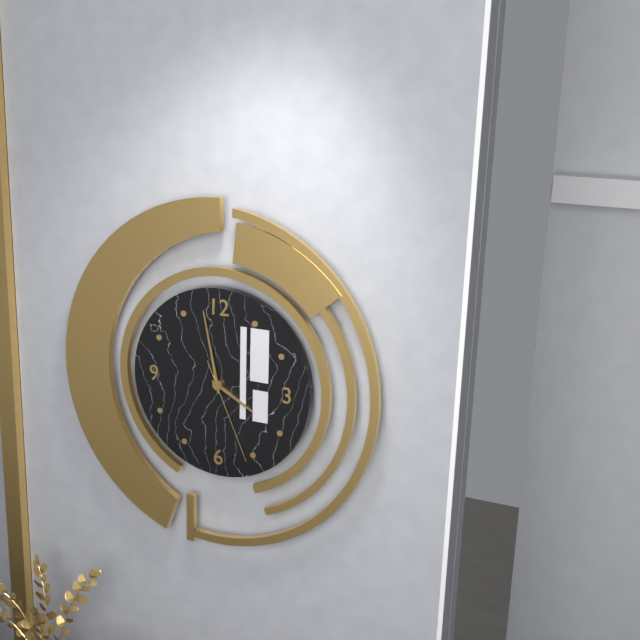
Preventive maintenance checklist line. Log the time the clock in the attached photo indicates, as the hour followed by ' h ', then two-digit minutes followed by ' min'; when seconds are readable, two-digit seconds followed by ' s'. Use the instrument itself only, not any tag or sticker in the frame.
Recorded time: 3 h 58 min 26 s
